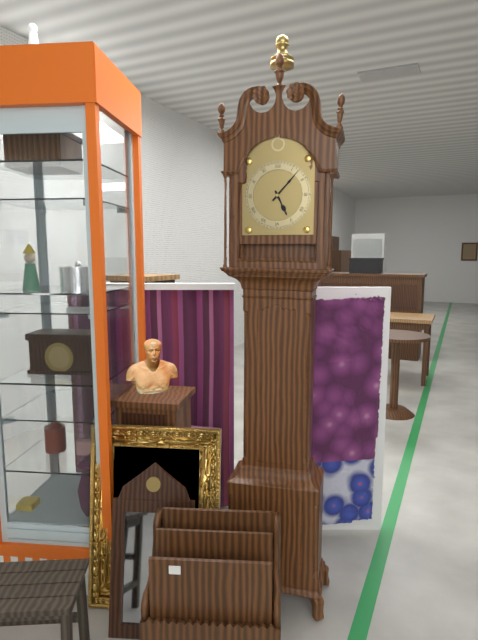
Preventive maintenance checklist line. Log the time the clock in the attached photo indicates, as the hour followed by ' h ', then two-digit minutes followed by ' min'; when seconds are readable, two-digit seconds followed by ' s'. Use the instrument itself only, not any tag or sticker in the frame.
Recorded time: 5 h 07 min
